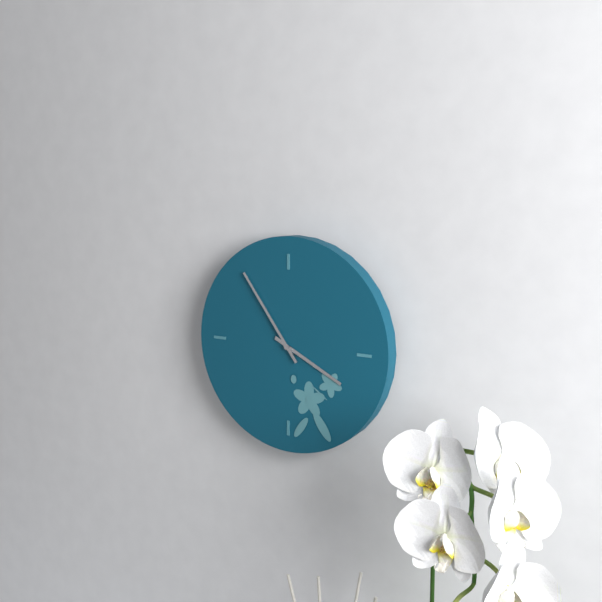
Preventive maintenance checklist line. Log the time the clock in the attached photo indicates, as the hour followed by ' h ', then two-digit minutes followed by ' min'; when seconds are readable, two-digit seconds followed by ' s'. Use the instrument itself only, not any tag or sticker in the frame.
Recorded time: 3 h 54 min
